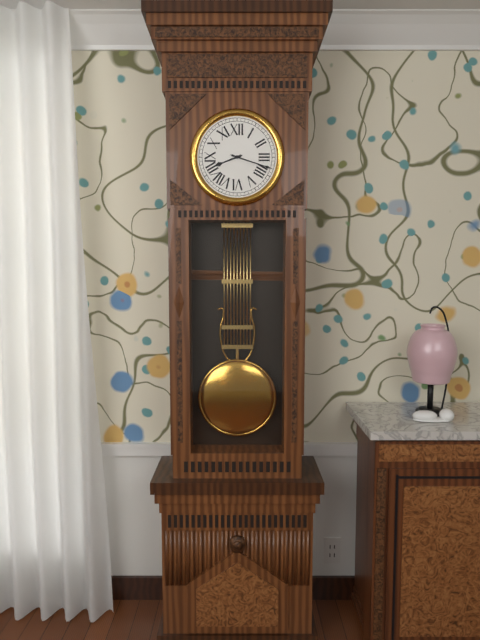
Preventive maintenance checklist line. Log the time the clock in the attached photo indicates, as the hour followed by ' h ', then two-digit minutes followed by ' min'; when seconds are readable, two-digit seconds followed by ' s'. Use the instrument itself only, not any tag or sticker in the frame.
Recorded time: 8 h 18 min
